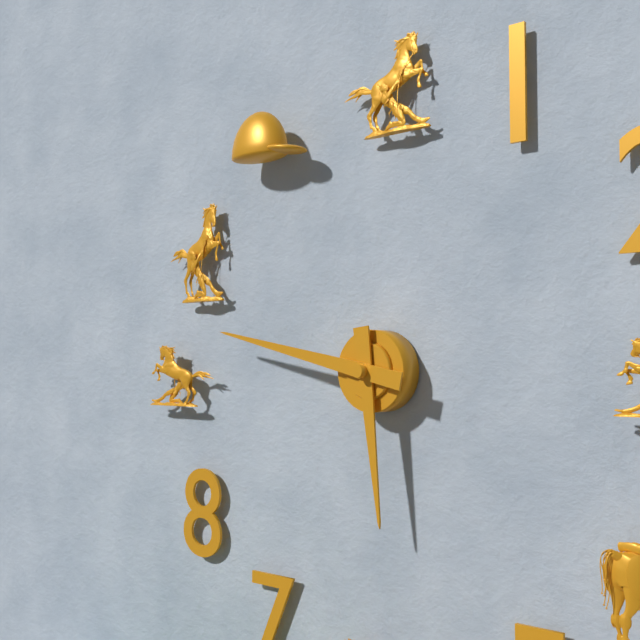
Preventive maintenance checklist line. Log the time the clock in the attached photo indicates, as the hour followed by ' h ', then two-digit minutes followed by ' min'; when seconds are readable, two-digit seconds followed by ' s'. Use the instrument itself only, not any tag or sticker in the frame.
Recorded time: 5 h 47 min
